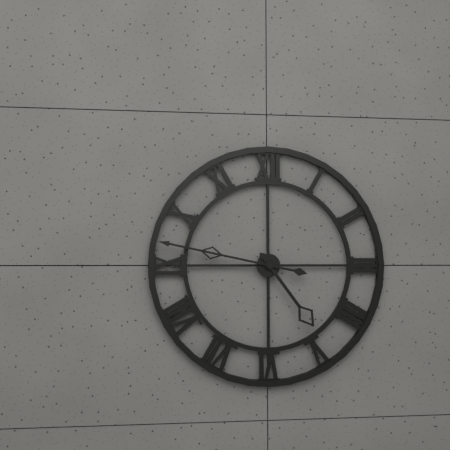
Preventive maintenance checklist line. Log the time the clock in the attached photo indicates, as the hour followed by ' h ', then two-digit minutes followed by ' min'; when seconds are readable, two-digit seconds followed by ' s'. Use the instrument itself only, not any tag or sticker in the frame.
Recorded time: 4 h 47 min
